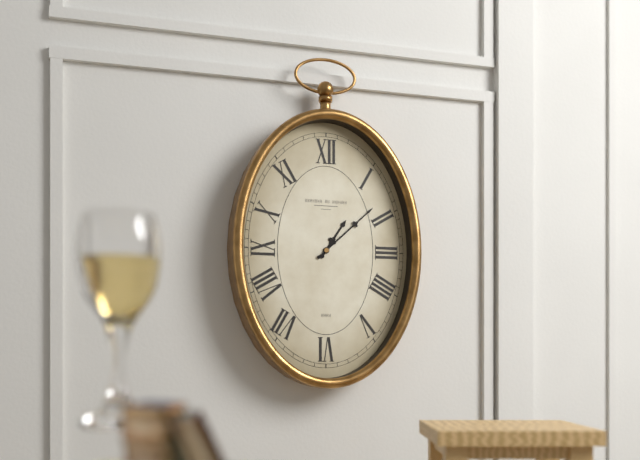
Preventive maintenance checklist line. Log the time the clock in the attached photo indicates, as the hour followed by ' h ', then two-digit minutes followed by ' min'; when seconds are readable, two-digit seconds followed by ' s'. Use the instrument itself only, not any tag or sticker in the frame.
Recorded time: 1 h 08 min
